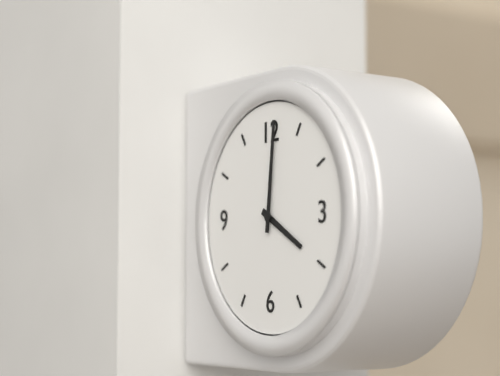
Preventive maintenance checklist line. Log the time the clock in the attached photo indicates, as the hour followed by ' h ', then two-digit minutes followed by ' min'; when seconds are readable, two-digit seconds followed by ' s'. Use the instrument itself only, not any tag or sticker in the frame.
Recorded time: 4 h 01 min
